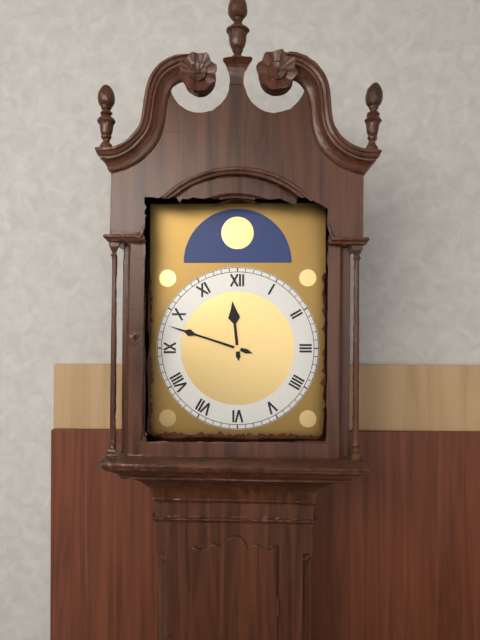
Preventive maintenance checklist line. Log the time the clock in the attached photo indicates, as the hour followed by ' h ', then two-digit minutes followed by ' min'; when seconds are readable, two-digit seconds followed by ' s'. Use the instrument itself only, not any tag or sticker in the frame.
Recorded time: 11 h 48 min
